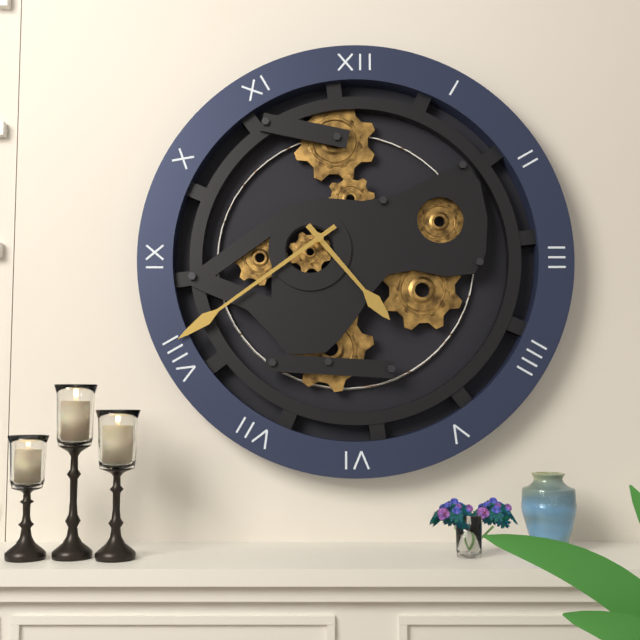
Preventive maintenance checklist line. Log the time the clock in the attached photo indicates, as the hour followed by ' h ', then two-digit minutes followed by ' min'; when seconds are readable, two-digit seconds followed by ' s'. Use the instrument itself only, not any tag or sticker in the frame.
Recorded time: 4 h 39 min
